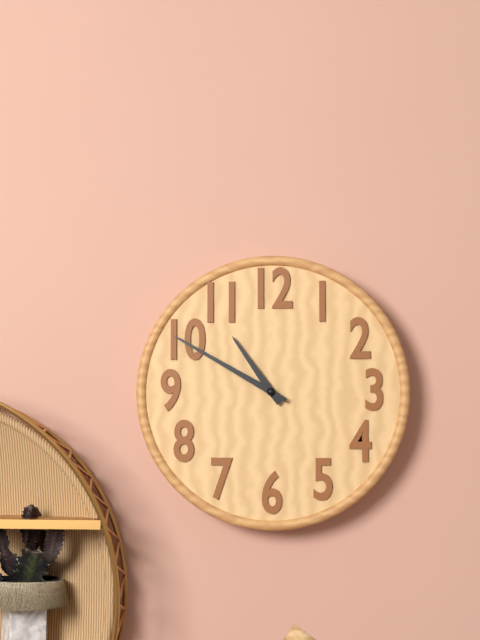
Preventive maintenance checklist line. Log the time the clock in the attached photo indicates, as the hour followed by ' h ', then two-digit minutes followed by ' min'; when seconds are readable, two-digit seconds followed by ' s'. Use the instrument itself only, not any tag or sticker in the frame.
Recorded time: 10 h 50 min
